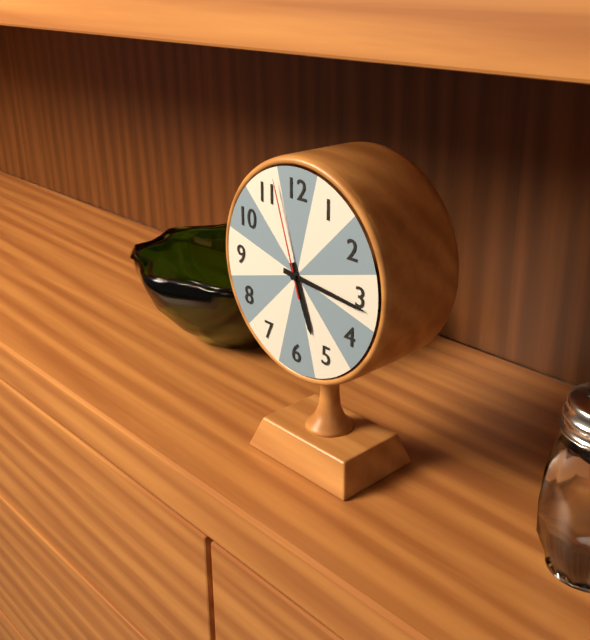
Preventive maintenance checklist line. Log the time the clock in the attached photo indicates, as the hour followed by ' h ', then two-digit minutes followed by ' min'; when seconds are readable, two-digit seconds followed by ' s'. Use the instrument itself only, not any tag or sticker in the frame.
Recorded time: 5 h 16 min 57 s
